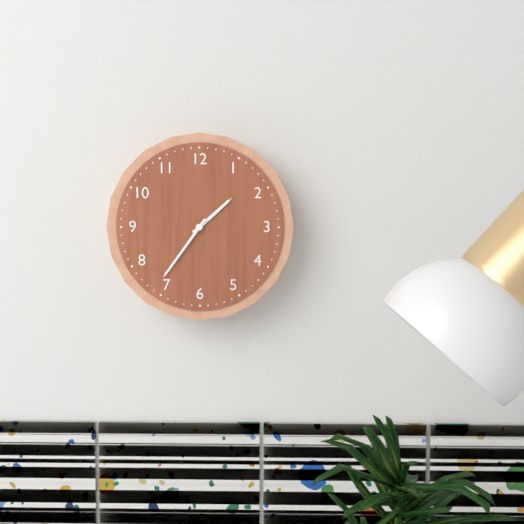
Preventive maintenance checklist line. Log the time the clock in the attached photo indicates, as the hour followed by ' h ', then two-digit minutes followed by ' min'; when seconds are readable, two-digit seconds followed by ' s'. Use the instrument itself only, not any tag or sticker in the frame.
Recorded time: 1 h 36 min
